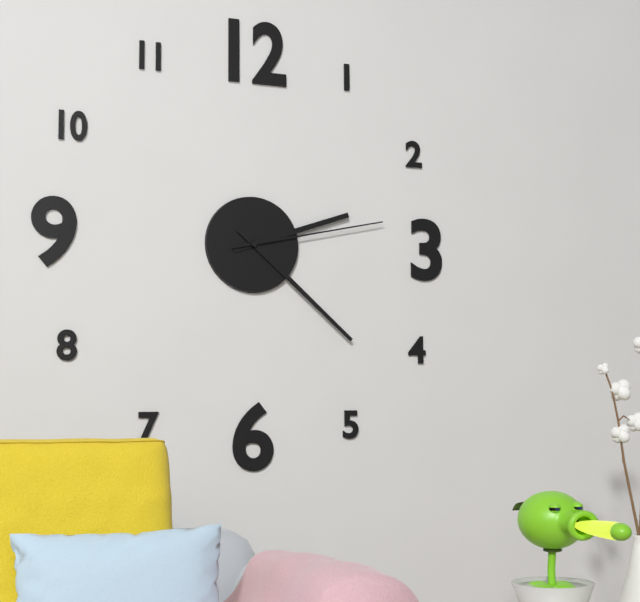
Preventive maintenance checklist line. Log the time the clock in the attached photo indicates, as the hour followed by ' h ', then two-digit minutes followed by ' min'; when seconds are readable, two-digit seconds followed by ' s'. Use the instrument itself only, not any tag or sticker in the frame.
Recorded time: 2 h 22 min 13 s
